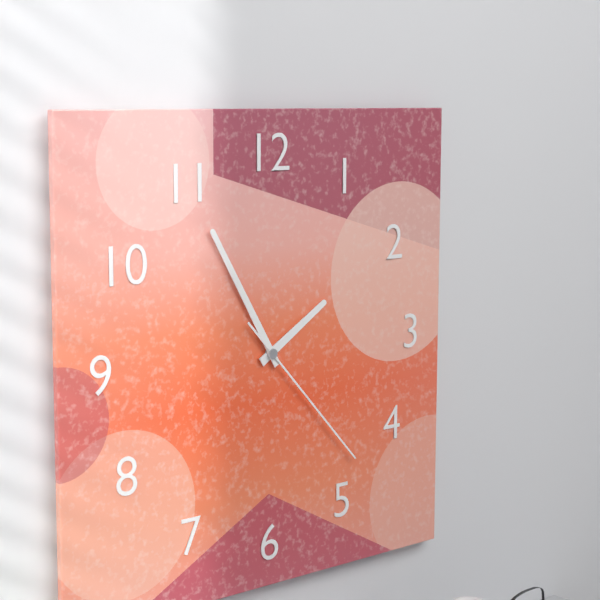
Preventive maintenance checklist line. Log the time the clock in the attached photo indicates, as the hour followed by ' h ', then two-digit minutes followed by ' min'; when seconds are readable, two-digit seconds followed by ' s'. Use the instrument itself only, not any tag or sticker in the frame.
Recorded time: 1 h 55 min 23 s
